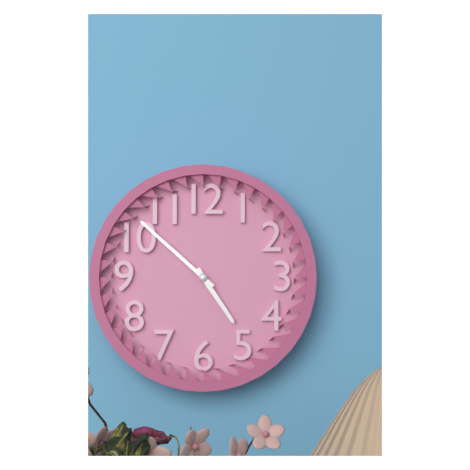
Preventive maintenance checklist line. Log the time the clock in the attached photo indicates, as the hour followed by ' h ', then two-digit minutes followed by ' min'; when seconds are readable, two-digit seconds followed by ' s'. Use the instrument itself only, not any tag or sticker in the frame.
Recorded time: 4 h 52 min
